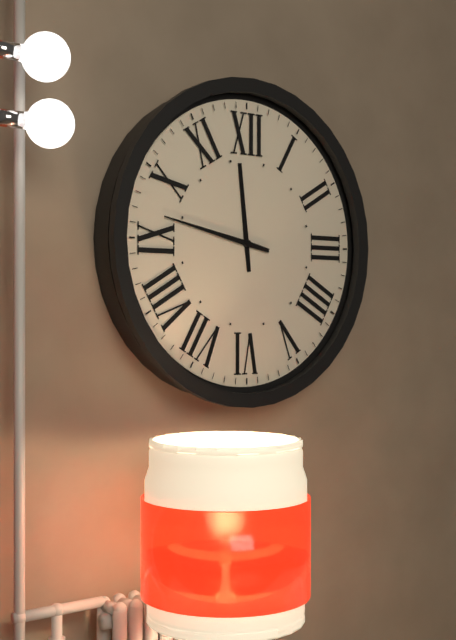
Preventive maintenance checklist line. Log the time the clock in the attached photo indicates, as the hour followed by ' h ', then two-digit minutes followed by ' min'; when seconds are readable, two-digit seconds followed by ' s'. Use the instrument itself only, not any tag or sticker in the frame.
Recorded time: 11 h 47 min
